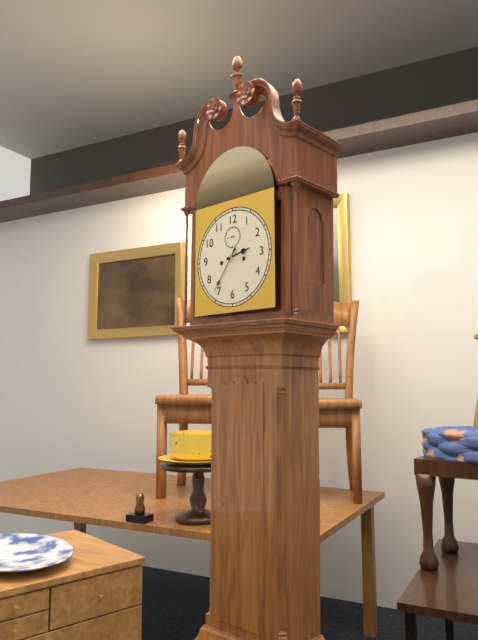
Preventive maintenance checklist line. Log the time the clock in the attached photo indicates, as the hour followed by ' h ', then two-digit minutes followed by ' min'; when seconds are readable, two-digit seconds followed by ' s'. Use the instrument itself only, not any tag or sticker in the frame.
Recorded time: 2 h 36 min
